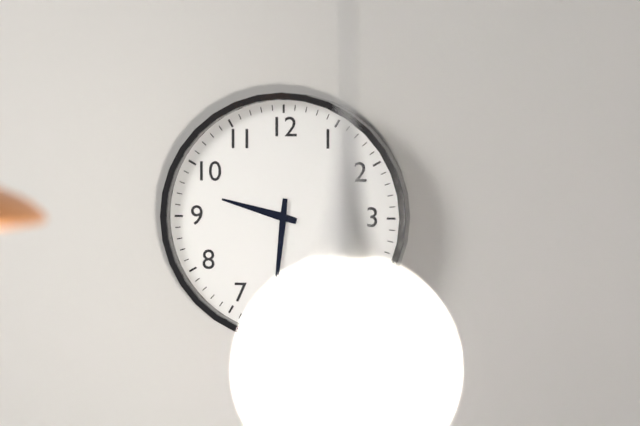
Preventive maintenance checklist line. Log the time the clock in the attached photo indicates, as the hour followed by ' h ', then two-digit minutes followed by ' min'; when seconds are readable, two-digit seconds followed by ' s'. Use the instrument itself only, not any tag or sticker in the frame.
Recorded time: 9 h 31 min
